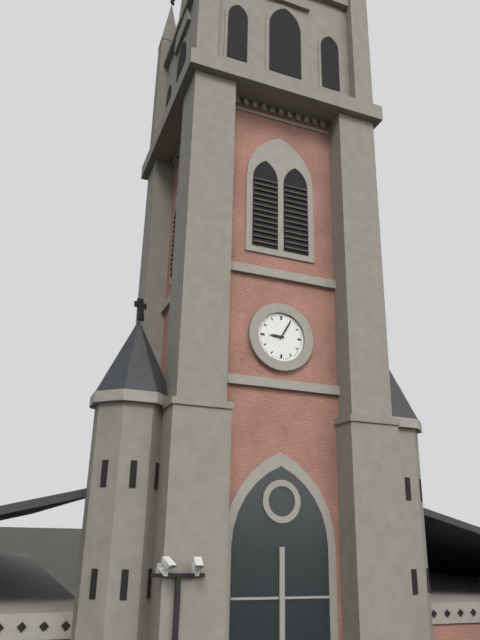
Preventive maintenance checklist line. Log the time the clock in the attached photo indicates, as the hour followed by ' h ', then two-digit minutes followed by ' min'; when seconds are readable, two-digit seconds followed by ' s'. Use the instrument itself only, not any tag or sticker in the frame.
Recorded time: 9 h 05 min
